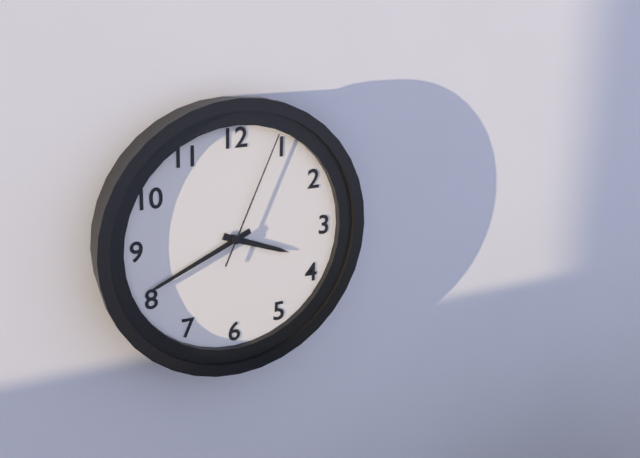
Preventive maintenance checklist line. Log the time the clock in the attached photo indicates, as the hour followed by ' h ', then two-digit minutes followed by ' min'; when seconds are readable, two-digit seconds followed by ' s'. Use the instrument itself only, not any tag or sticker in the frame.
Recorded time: 3 h 41 min 04 s
